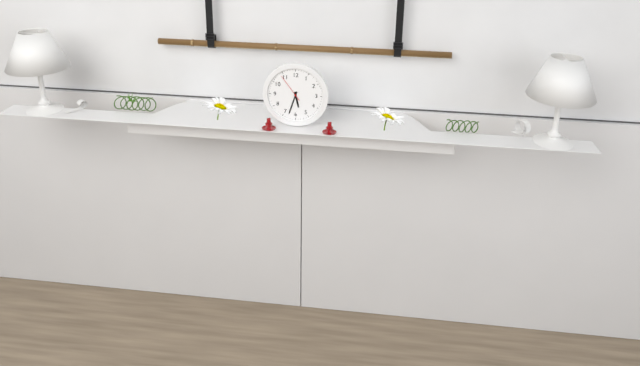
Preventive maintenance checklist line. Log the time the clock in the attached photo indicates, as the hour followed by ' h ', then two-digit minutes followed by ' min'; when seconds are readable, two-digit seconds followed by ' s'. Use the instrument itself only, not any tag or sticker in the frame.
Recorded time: 5 h 33 min
